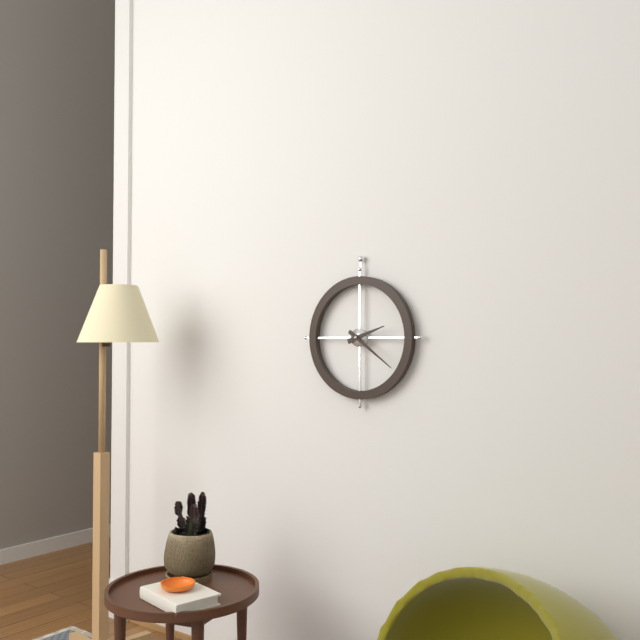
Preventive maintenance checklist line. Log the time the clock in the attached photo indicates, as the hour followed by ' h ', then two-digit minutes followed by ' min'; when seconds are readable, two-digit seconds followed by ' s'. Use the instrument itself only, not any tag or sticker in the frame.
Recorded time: 2 h 21 min
